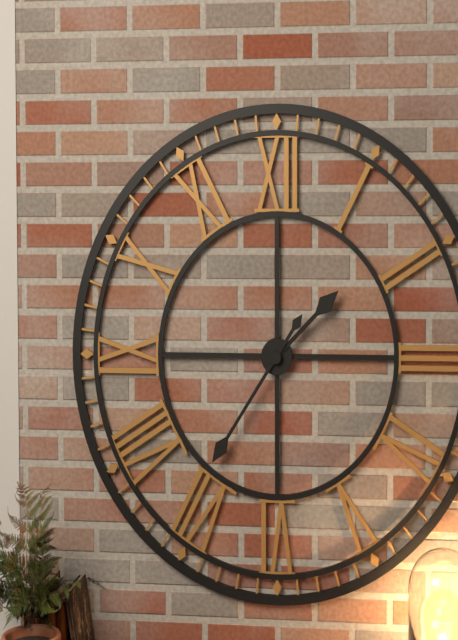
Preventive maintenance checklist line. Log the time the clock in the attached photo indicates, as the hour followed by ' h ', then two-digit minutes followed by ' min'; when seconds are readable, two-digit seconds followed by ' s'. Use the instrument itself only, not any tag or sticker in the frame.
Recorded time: 1 h 36 min
